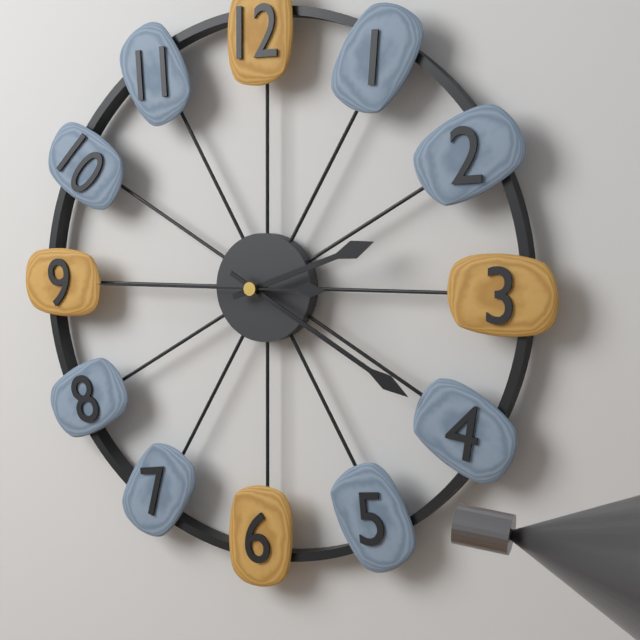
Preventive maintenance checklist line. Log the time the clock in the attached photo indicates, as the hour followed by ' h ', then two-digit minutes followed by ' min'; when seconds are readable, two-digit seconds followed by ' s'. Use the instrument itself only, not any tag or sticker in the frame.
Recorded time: 2 h 20 min 45 s
